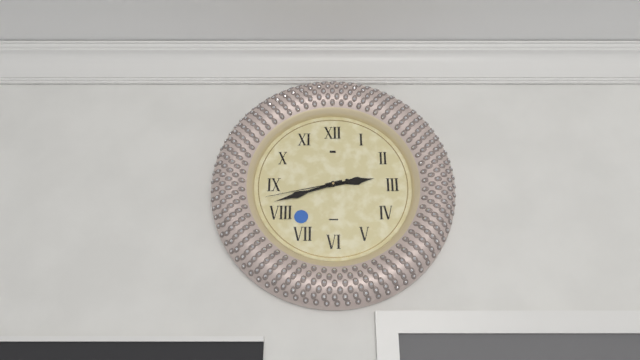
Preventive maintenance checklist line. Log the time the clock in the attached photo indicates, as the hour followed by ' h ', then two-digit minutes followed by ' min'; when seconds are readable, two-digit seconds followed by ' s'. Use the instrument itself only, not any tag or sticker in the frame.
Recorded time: 2 h 42 min 43 s
